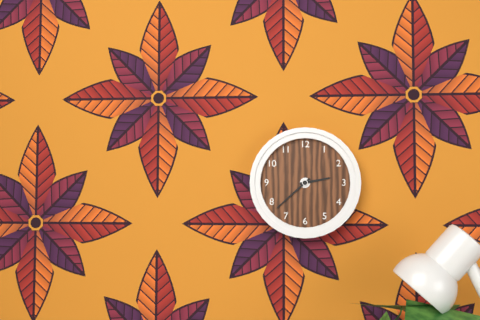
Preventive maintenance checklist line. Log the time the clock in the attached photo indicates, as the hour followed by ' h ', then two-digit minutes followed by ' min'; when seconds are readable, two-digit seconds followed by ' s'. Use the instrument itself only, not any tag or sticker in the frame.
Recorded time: 2 h 38 min
